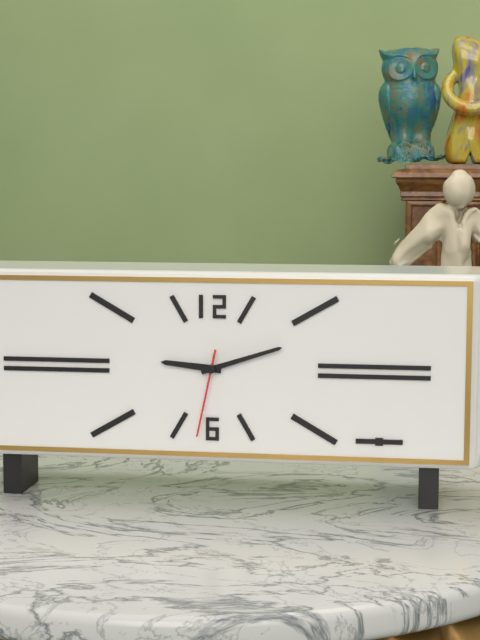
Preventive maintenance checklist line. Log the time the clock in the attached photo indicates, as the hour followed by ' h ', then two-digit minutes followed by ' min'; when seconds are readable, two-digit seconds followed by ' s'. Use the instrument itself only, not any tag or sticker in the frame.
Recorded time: 9 h 12 min 32 s
